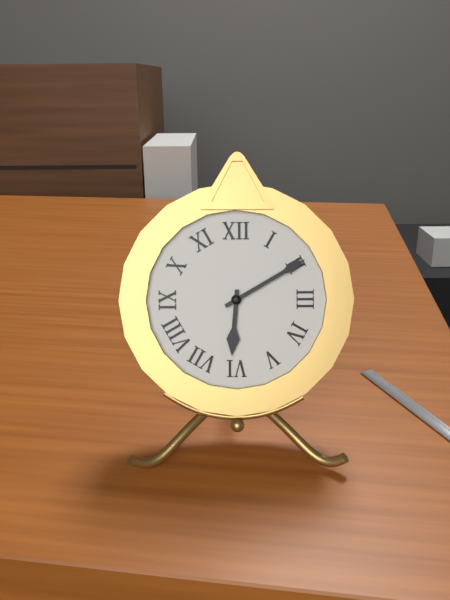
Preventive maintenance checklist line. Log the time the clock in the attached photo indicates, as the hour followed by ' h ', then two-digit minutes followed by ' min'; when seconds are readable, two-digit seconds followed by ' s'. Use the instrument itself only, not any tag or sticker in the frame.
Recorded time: 6 h 10 min
